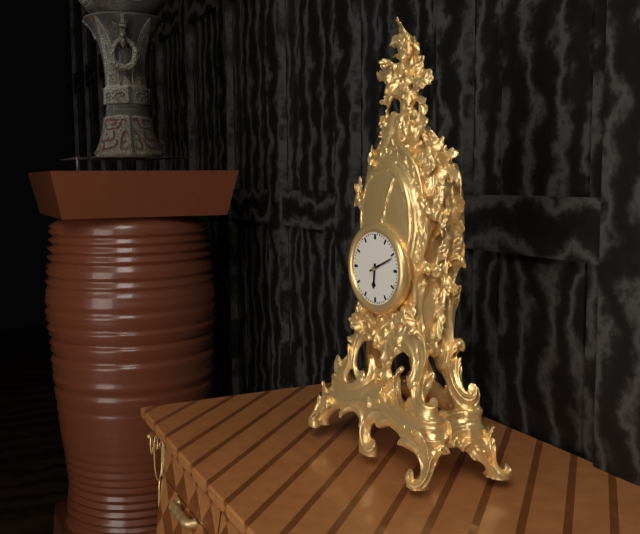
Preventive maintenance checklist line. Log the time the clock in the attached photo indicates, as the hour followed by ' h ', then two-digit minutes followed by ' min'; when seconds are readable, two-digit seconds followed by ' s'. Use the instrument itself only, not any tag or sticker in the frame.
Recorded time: 6 h 11 min
